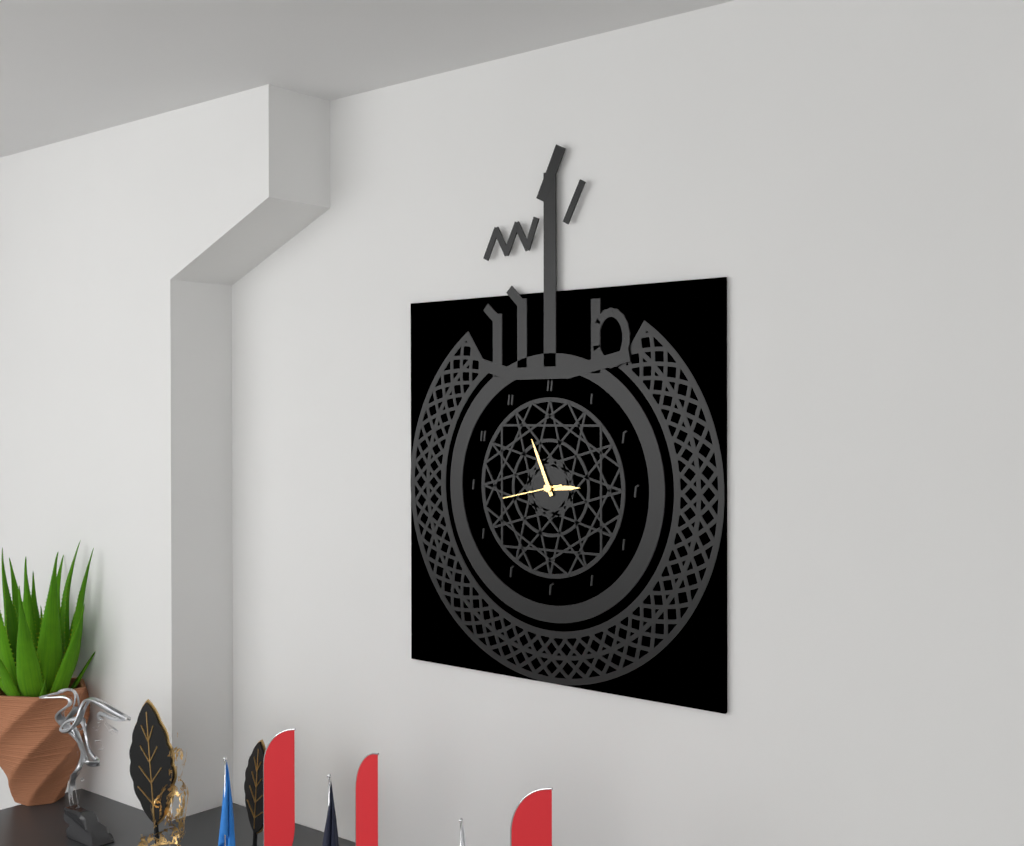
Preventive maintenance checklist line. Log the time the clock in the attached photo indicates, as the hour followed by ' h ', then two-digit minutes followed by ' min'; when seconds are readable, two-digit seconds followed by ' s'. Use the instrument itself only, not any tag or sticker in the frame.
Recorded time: 2 h 56 min 43 s
